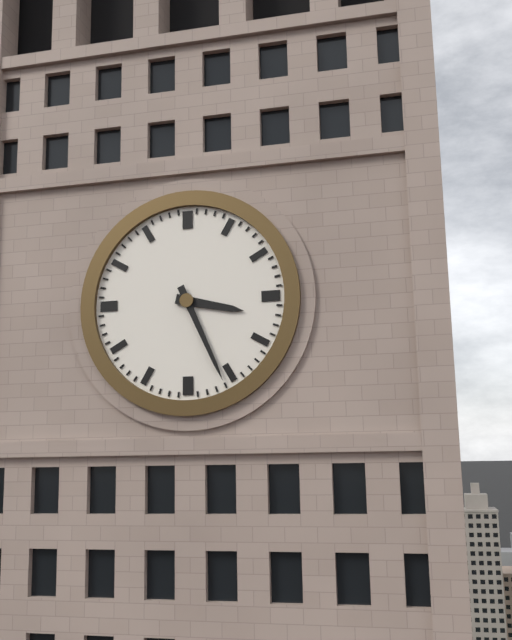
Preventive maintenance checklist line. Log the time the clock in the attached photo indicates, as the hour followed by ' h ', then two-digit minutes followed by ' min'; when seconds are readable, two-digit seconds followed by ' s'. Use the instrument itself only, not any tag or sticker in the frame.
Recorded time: 3 h 26 min
